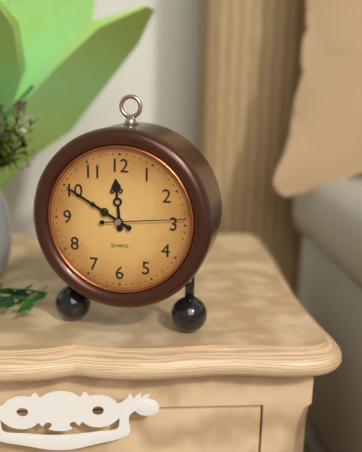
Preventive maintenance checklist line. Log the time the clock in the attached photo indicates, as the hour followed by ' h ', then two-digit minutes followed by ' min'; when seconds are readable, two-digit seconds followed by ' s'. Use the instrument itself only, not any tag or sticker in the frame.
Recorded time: 11 h 50 min 14 s
